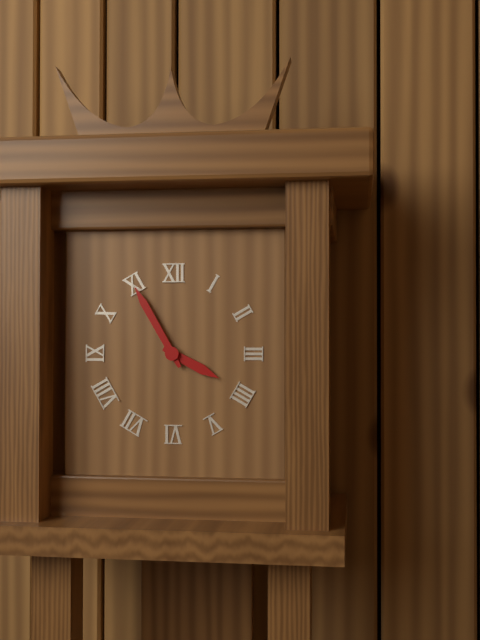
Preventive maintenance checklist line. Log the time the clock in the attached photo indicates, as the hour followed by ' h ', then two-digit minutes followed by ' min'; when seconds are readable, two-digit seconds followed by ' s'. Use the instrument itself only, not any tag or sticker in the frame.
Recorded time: 3 h 55 min
